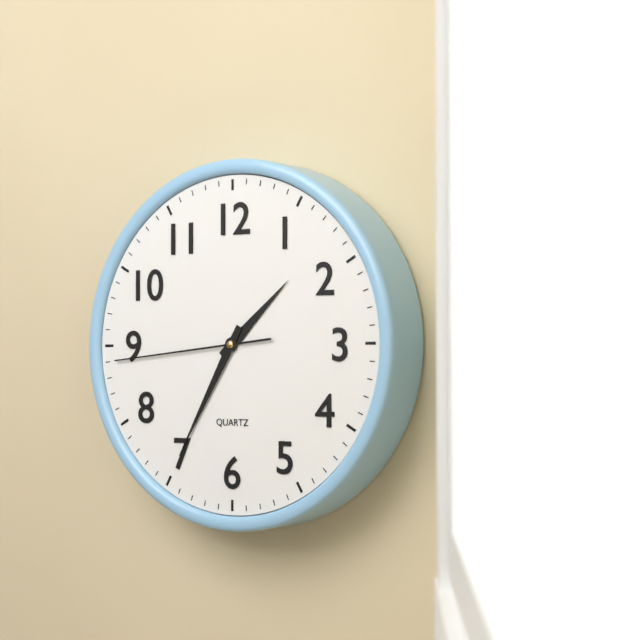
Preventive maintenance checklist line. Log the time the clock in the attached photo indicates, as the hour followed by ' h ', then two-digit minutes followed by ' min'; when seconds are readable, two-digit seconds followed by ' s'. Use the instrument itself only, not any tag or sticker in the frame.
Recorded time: 1 h 35 min 44 s
